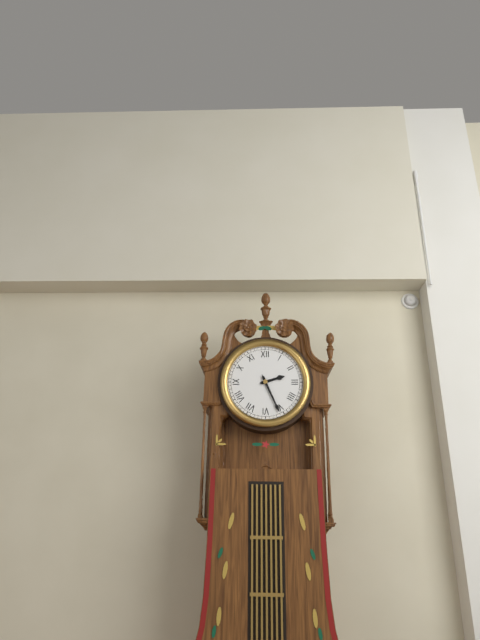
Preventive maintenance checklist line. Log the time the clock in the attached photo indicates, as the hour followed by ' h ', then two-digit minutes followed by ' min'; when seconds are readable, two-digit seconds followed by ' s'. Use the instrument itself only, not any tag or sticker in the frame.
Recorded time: 2 h 26 min
